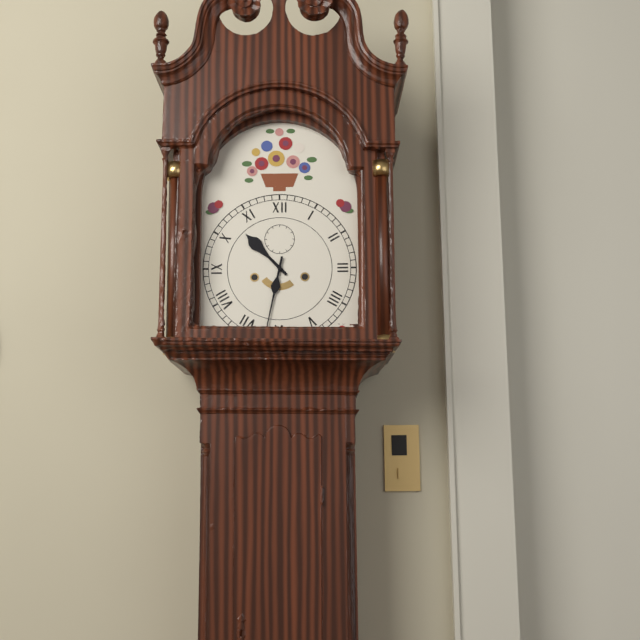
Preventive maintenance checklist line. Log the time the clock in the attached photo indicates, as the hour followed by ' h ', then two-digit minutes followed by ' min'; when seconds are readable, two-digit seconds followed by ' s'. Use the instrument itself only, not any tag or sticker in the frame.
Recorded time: 10 h 32 min
